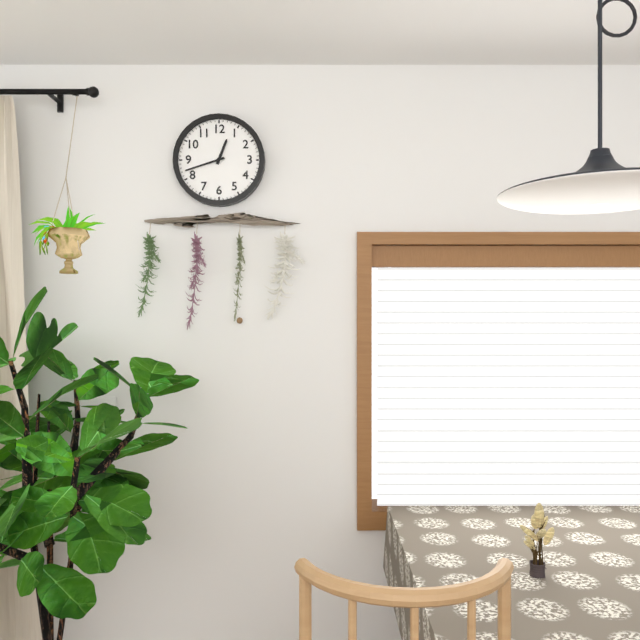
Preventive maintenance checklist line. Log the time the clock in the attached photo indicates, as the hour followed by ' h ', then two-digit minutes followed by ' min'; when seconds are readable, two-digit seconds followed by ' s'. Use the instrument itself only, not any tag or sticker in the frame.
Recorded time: 12 h 42 min
